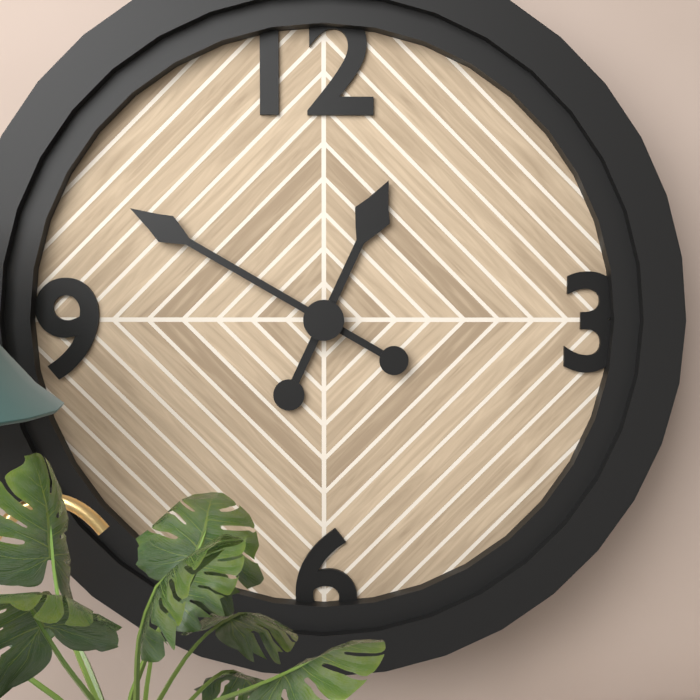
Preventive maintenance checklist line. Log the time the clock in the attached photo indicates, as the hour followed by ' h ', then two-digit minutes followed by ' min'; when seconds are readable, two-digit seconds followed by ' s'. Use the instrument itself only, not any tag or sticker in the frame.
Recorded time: 12 h 50 min
